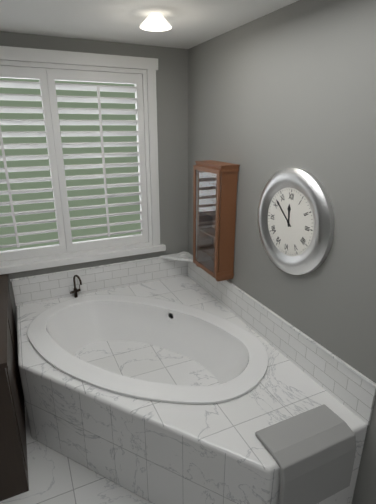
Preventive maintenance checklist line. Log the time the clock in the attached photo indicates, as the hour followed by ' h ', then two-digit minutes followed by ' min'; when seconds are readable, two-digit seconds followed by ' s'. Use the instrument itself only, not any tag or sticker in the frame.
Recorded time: 11 h 52 min
